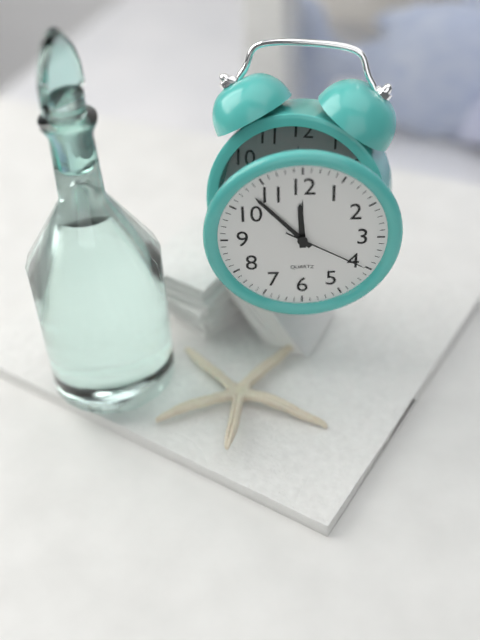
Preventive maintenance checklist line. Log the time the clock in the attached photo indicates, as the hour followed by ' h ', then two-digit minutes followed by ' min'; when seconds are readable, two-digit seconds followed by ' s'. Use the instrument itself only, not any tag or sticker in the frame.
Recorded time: 11 h 53 min 20 s
